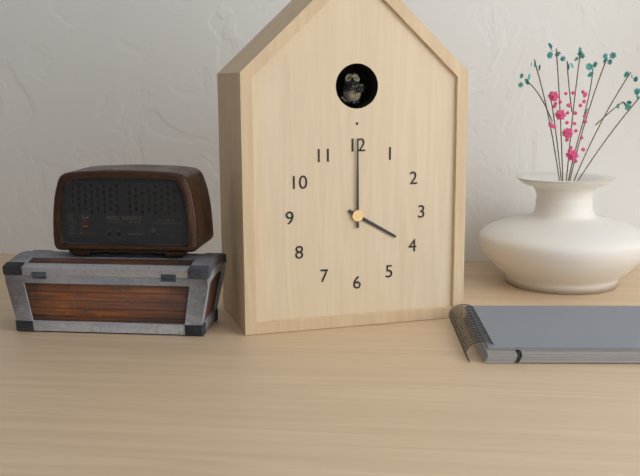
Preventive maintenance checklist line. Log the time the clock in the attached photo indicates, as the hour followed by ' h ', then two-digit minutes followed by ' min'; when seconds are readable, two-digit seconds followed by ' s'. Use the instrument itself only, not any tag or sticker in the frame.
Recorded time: 4 h 00 min
